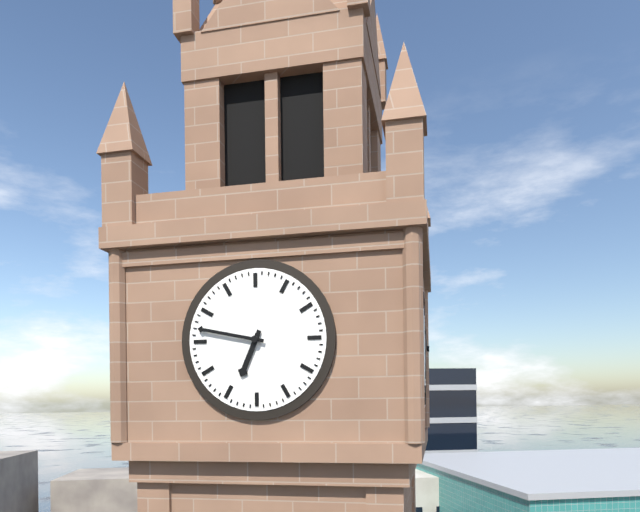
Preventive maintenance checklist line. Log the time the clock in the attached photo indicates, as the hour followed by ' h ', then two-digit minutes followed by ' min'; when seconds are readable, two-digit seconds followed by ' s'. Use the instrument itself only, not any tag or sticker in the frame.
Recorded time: 6 h 47 min
